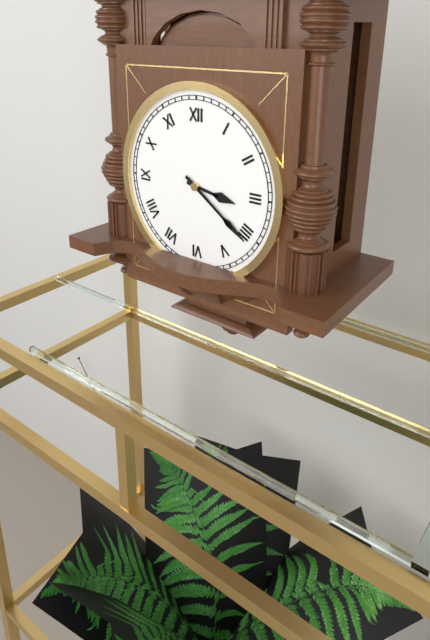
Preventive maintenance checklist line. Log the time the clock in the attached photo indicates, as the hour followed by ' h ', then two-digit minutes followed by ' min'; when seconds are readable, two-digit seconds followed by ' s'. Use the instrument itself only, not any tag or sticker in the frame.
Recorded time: 3 h 21 min
